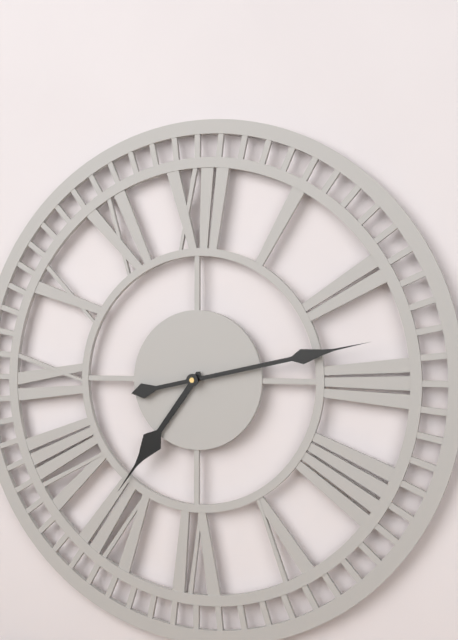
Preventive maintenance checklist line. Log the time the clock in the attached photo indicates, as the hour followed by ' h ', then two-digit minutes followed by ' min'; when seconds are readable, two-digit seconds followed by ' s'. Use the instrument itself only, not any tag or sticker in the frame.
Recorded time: 7 h 13 min
